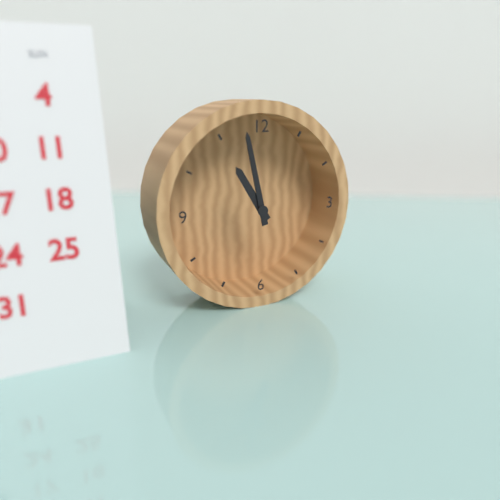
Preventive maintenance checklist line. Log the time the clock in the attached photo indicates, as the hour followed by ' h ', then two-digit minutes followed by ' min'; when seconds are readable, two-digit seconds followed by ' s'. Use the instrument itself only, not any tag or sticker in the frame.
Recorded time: 10 h 58 min
